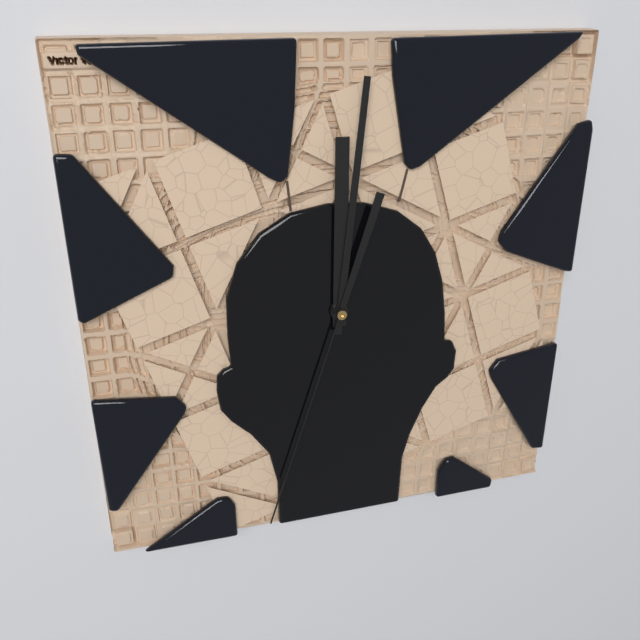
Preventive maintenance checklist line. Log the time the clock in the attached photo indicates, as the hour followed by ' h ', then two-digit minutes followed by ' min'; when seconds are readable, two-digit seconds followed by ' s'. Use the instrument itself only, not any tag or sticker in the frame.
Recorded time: 12 h 01 min 33 s
